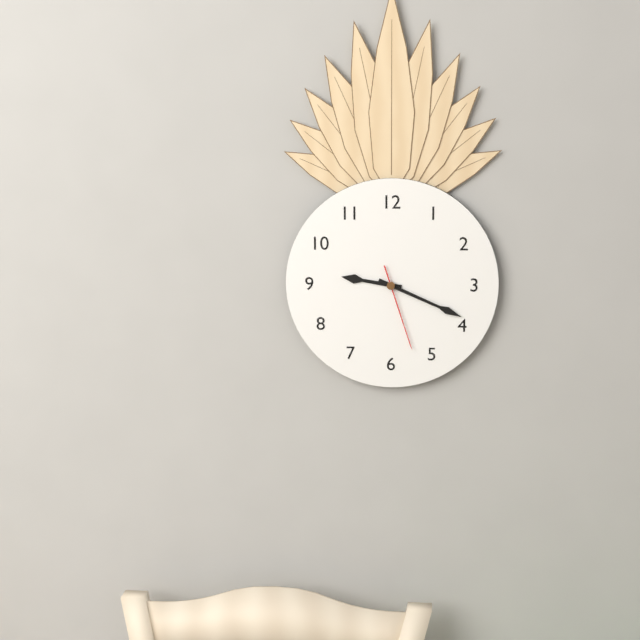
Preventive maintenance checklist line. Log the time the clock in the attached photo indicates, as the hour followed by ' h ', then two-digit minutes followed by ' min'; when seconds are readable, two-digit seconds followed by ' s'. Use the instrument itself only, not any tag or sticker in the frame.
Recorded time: 9 h 19 min 27 s
